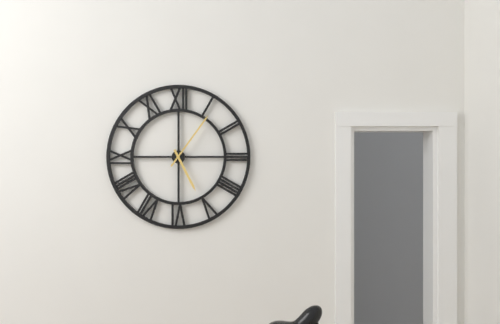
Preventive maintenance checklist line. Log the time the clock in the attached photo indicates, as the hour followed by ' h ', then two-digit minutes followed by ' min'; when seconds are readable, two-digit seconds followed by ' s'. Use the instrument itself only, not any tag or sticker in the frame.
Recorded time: 5 h 06 min
